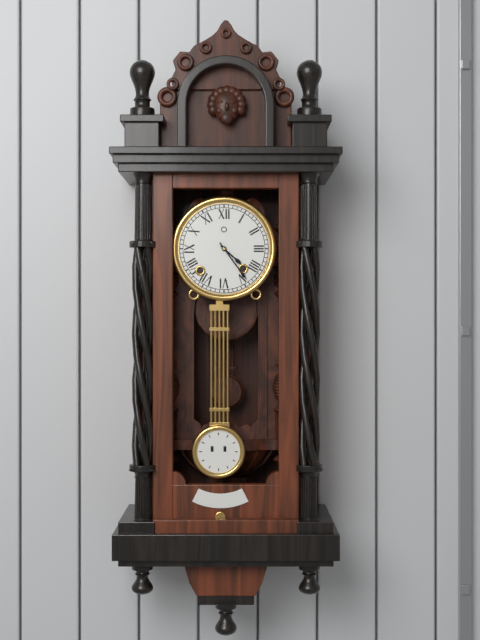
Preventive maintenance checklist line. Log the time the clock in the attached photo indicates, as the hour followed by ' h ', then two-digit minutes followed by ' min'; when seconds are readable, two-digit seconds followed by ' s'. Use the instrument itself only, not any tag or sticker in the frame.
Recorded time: 4 h 24 min
